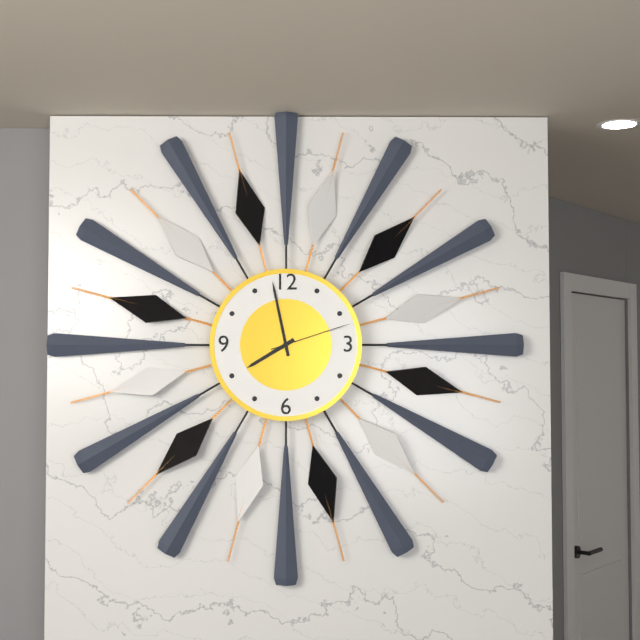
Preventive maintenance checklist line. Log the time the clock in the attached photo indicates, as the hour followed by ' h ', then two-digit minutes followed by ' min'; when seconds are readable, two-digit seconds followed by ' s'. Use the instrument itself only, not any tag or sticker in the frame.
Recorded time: 7 h 58 min 12 s
